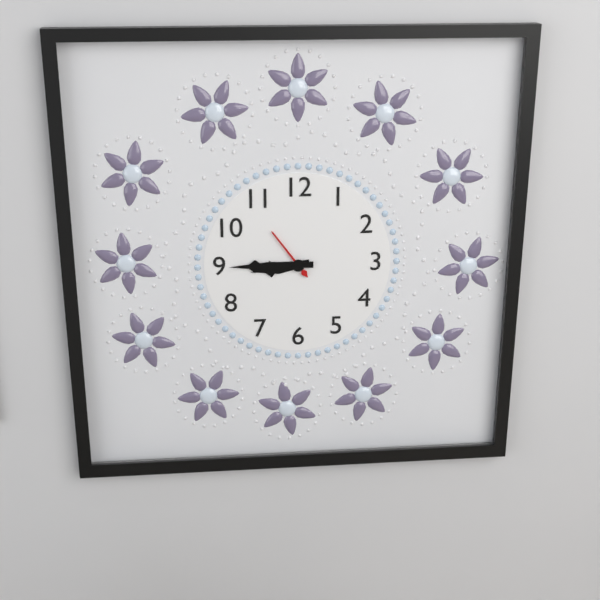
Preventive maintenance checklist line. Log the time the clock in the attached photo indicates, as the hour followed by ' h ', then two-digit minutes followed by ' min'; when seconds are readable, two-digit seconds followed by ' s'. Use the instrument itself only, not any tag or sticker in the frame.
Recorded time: 8 h 45 min 54 s
